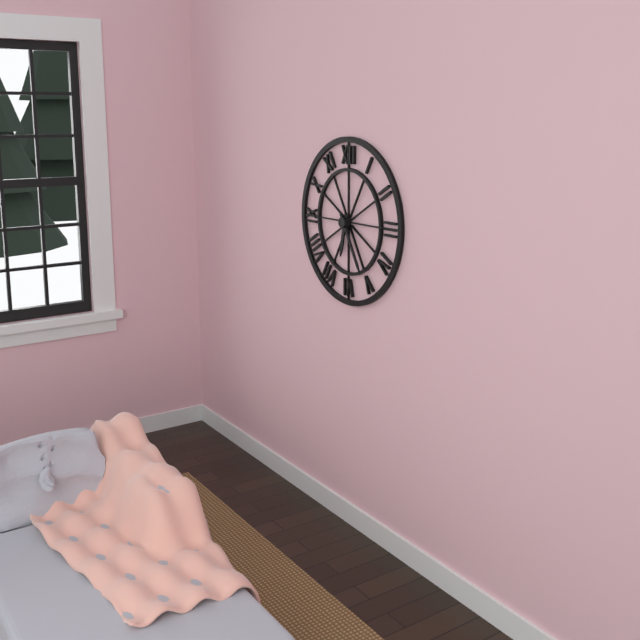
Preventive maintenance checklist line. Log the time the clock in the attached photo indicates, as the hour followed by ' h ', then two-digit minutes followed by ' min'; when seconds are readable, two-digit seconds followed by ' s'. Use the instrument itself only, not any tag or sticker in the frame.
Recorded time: 6 h 25 min
